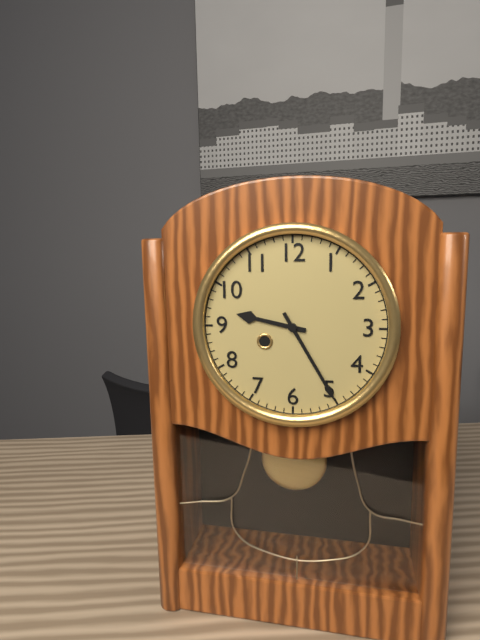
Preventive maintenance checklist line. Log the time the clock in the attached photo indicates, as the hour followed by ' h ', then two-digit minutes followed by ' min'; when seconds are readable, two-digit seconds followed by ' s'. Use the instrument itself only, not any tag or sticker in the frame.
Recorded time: 9 h 25 min
